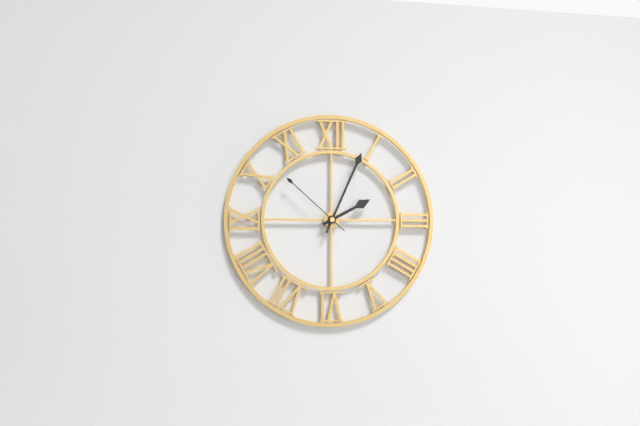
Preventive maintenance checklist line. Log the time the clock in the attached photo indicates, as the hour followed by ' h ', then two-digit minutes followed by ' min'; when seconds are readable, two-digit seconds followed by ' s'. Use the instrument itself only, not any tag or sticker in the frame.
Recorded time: 2 h 04 min 52 s
